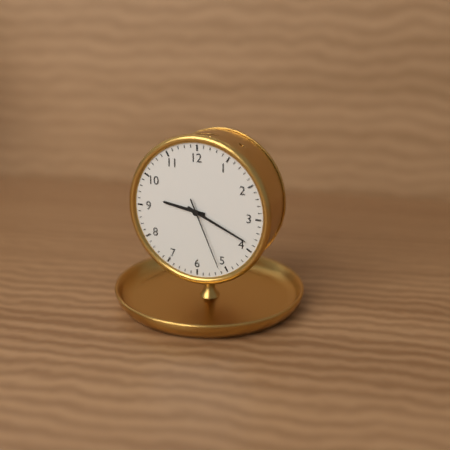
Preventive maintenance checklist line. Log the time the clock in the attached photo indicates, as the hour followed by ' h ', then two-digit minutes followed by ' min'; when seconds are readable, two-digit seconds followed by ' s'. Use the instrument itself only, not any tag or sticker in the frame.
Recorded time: 9 h 19 min 26 s
